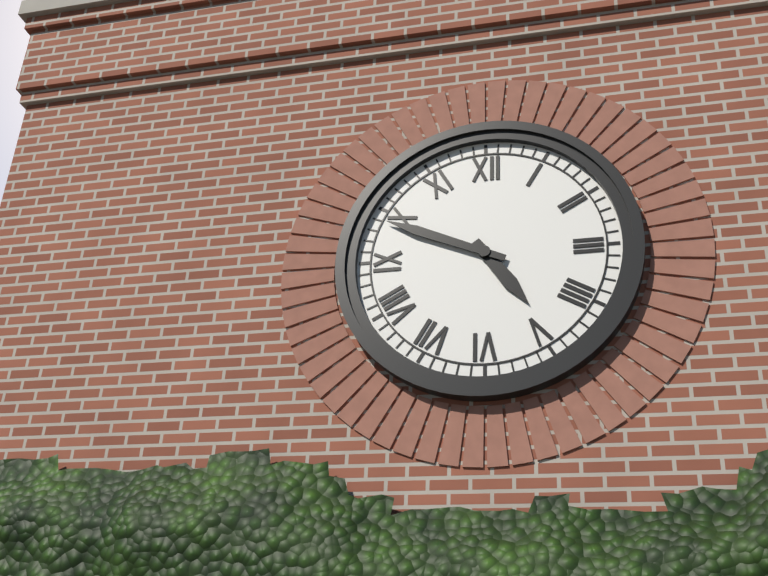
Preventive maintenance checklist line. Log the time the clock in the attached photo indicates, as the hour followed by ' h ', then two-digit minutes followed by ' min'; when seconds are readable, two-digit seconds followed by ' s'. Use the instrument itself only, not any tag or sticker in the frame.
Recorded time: 4 h 49 min
